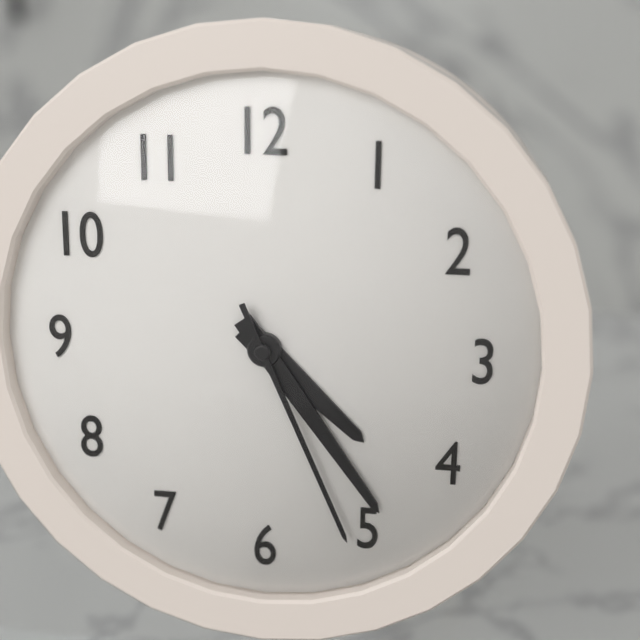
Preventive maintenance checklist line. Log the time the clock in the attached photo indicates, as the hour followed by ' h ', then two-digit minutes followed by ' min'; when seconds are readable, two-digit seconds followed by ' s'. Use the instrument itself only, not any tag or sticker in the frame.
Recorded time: 4 h 24 min 26 s
